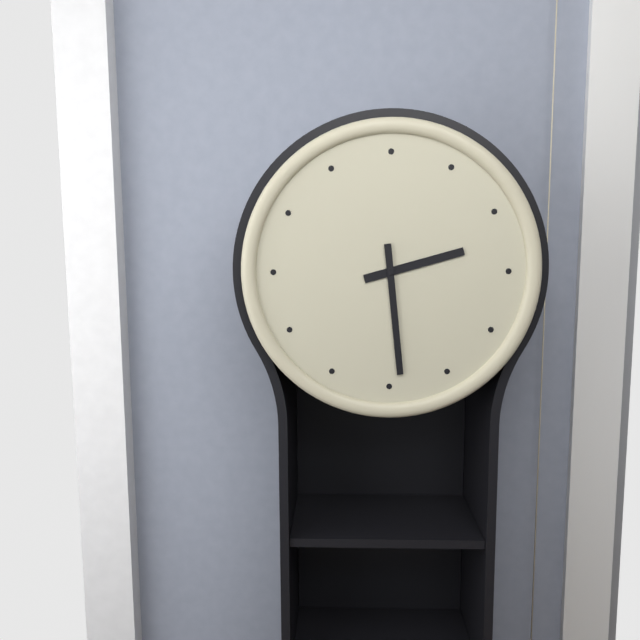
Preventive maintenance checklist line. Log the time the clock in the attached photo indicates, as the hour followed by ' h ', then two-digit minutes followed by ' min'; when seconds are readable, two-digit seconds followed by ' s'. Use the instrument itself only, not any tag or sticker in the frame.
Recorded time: 2 h 29 min
